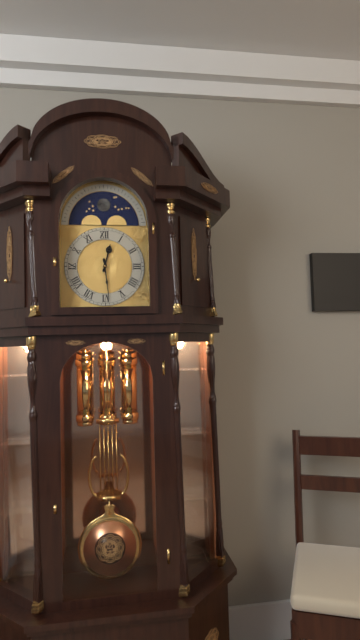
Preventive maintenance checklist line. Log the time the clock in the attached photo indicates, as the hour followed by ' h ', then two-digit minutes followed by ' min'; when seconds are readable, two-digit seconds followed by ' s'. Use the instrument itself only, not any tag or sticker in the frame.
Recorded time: 12 h 29 min
